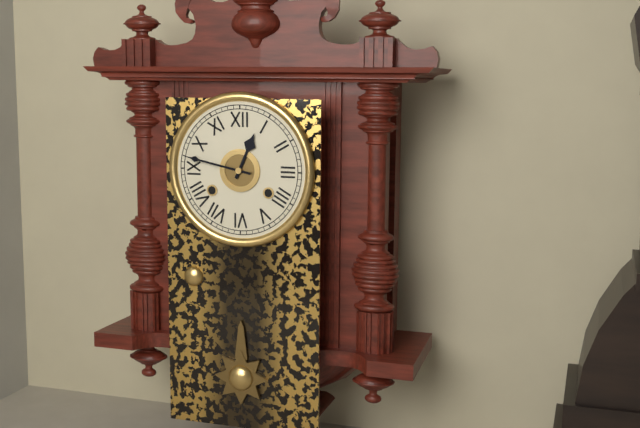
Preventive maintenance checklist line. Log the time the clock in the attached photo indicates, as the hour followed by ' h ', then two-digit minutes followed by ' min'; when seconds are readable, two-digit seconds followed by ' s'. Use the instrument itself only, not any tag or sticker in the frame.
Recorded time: 12 h 47 min
